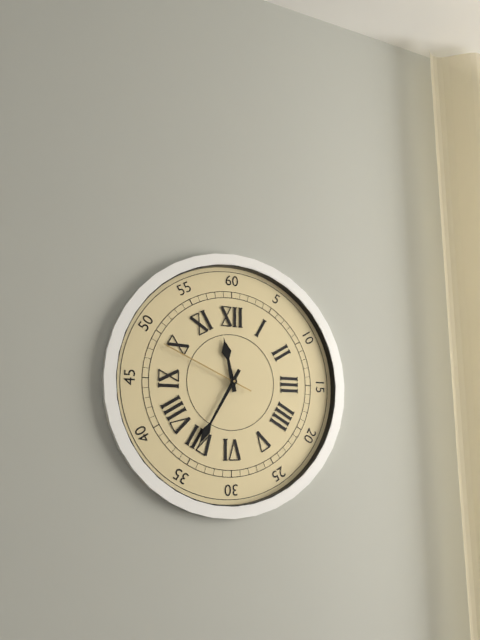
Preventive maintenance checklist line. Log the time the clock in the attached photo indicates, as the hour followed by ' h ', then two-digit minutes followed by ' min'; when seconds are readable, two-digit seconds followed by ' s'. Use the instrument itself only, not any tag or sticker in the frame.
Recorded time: 11 h 35 min 49 s
